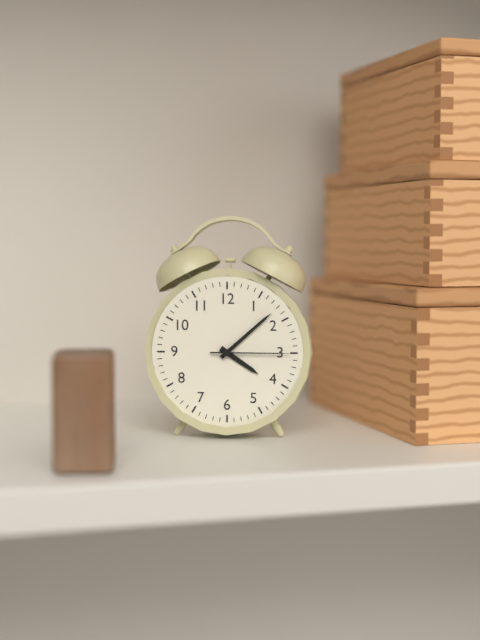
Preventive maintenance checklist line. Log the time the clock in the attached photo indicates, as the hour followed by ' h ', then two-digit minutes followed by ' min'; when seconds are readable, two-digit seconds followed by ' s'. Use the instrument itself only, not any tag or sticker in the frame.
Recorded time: 4 h 08 min 15 s
